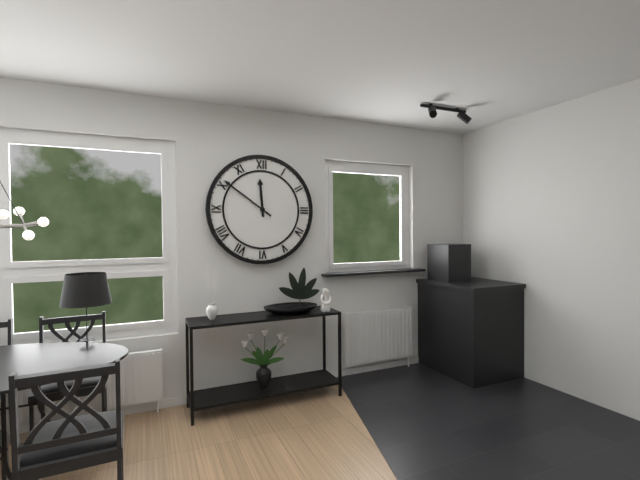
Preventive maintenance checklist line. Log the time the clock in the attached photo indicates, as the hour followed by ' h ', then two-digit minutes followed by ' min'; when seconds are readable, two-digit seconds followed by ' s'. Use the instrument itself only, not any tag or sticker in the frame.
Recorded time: 11 h 51 min
